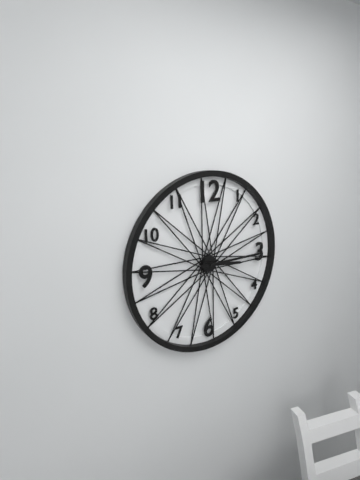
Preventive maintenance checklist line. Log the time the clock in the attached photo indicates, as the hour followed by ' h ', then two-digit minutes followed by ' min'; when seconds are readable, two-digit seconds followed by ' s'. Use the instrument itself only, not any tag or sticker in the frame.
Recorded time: 3 h 15 min
